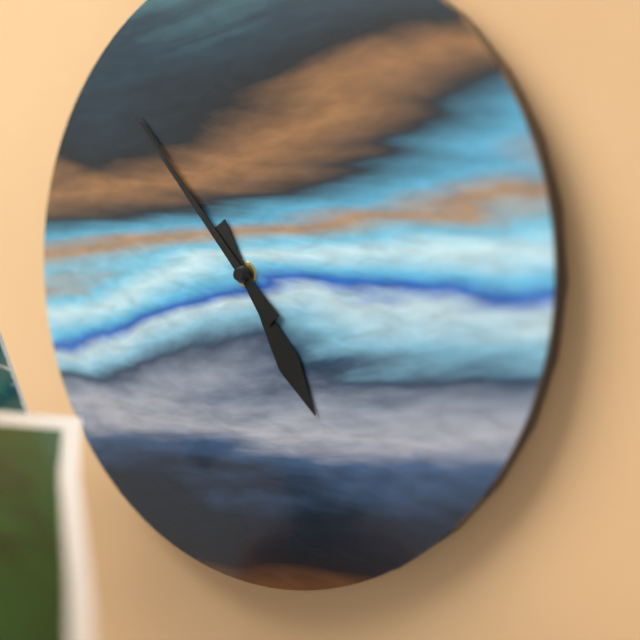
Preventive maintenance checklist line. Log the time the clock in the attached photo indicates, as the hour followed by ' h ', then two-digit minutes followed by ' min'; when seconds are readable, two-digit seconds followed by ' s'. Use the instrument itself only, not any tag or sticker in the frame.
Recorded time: 4 h 53 min
